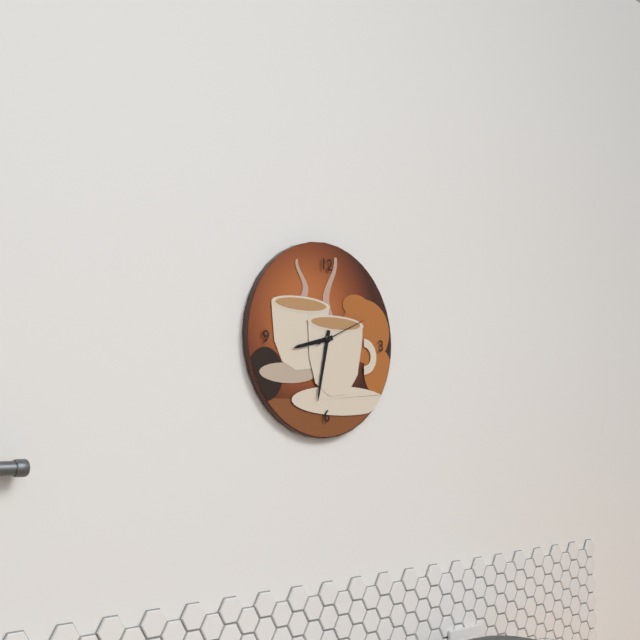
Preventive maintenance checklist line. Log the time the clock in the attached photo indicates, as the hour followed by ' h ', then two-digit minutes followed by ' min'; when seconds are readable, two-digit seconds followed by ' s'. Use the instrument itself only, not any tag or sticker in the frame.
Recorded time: 8 h 32 min 11 s
